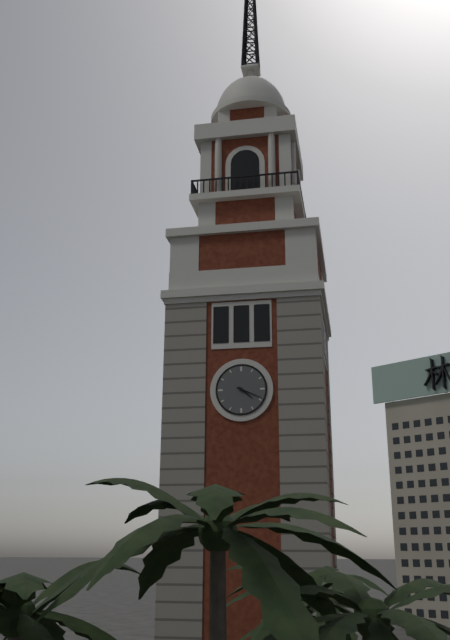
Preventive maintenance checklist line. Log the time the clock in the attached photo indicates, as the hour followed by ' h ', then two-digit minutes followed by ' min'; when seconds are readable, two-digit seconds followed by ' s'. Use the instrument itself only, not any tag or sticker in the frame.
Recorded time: 4 h 19 min
